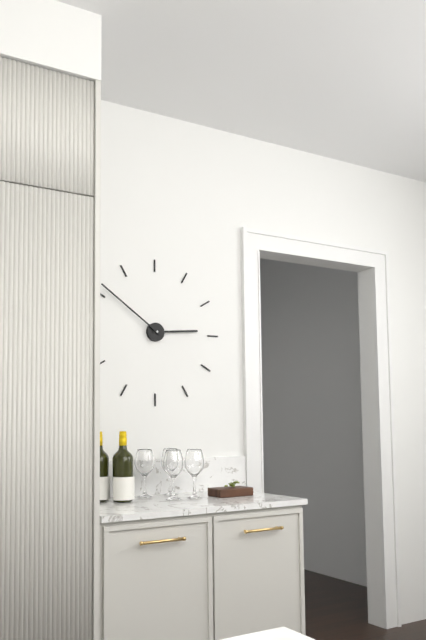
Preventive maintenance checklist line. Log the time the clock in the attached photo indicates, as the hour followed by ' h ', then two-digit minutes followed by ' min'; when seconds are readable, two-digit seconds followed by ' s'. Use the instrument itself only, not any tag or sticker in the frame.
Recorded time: 2 h 51 min
